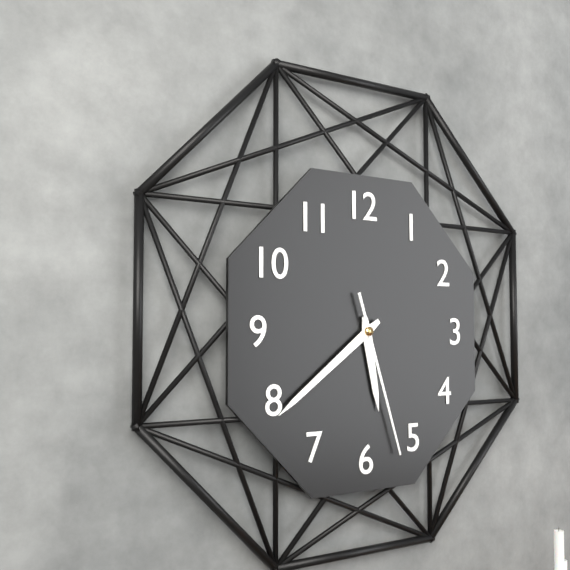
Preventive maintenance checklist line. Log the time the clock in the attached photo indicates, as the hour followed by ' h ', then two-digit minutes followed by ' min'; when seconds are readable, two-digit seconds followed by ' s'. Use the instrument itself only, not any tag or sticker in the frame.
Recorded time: 5 h 39 min 27 s
